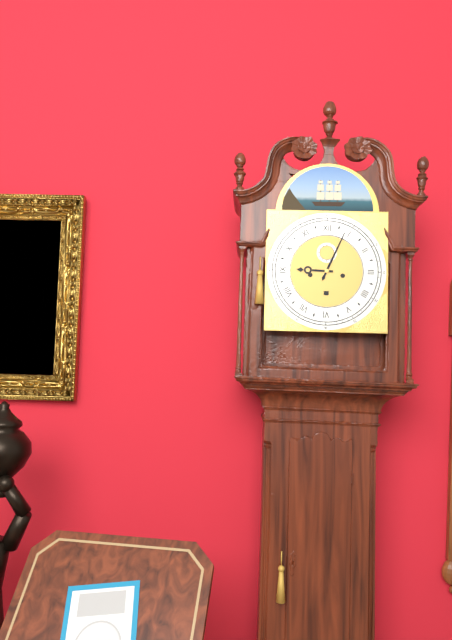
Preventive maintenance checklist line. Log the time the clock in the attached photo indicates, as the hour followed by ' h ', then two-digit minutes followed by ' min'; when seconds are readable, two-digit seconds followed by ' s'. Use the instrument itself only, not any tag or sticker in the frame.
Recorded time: 9 h 04 min
